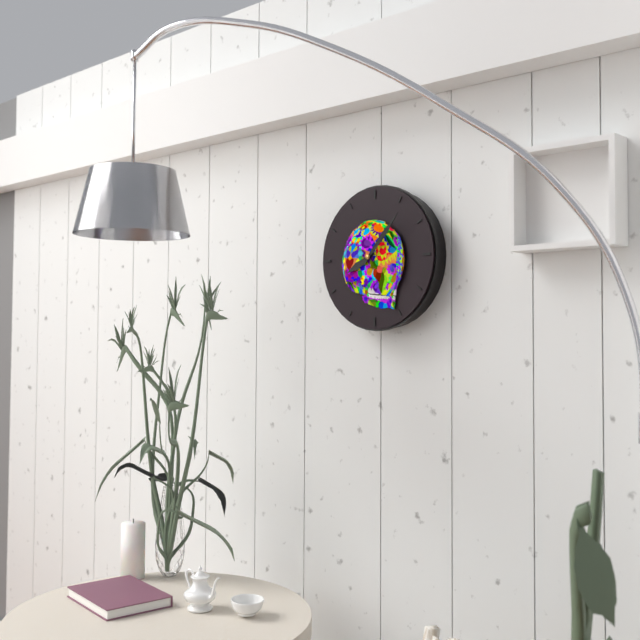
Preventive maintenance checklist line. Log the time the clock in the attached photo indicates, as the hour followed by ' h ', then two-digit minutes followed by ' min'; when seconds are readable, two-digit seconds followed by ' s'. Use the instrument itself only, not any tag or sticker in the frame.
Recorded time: 8 h 07 min
